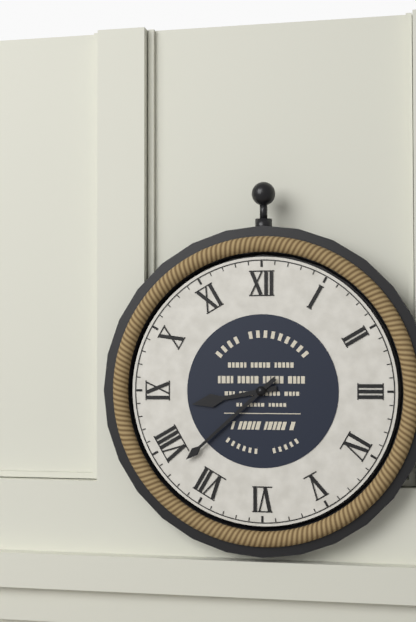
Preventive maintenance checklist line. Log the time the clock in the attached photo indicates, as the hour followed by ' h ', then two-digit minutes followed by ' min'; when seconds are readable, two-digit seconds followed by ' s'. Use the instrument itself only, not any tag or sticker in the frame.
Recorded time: 8 h 38 min
